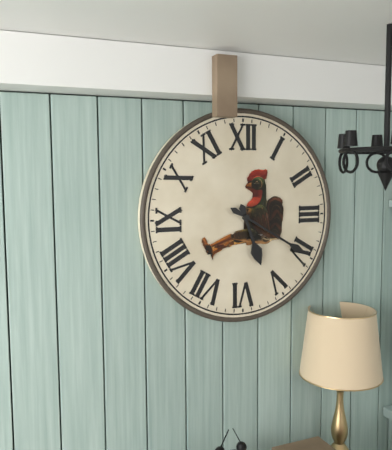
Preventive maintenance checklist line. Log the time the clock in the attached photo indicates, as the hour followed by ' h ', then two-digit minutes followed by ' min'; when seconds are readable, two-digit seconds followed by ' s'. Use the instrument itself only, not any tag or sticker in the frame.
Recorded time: 5 h 20 min
